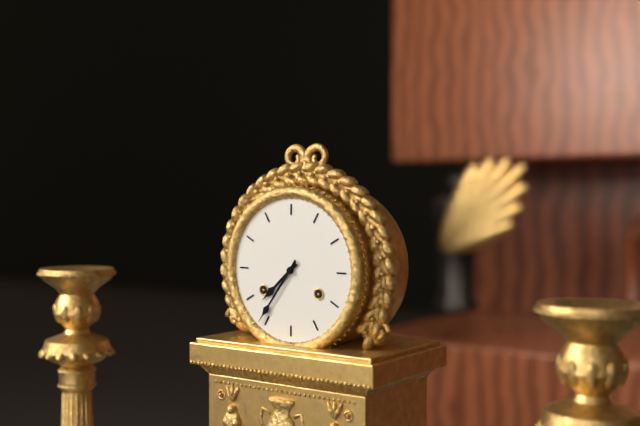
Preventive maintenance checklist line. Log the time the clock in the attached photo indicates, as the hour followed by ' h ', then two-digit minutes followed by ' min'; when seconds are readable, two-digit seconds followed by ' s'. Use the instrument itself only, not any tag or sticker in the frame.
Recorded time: 7 h 36 min
